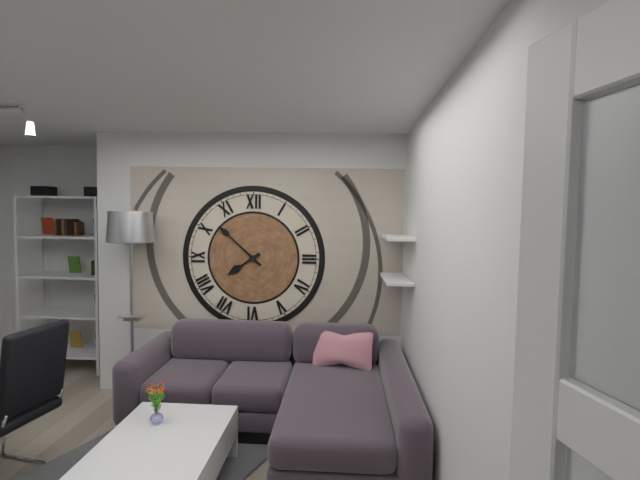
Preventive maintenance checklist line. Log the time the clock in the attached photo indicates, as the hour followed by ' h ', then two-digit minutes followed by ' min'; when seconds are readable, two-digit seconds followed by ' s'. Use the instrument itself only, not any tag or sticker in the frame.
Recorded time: 7 h 52 min
